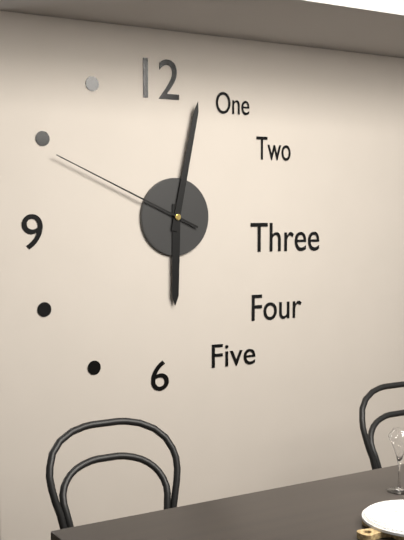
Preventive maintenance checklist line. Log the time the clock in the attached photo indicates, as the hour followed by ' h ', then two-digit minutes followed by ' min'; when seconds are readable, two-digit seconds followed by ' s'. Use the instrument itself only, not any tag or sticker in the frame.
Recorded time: 6 h 02 min 49 s
